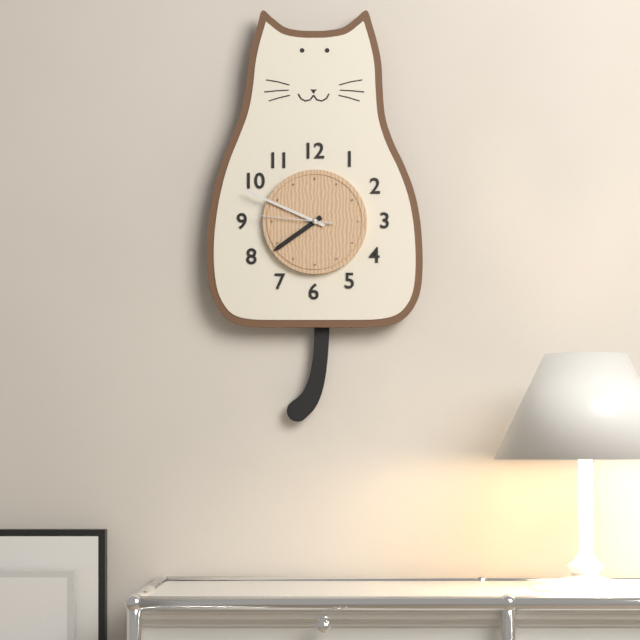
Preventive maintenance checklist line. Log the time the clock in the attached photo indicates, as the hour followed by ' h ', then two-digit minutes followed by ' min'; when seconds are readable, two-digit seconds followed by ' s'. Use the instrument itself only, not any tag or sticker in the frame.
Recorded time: 7 h 49 min 46 s
